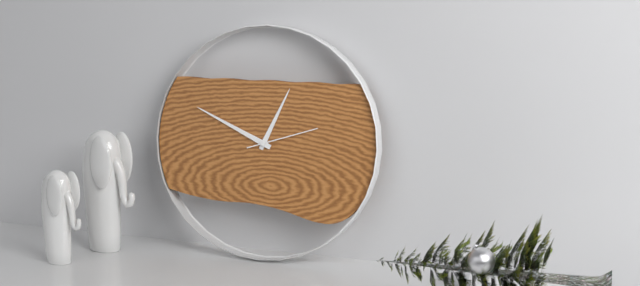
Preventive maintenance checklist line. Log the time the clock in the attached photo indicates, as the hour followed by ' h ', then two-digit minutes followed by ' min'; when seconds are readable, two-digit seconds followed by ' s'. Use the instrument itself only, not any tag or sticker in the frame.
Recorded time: 12 h 49 min 12 s
